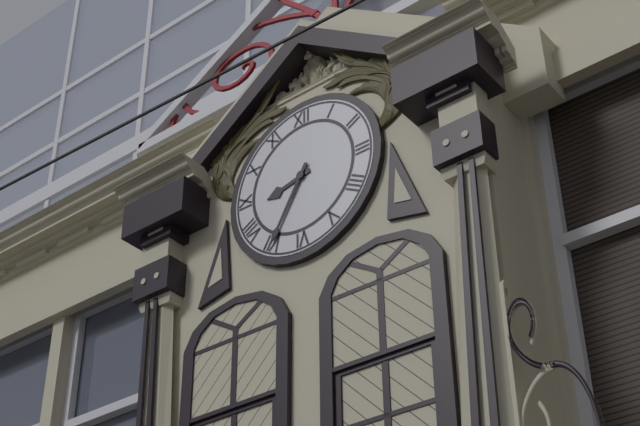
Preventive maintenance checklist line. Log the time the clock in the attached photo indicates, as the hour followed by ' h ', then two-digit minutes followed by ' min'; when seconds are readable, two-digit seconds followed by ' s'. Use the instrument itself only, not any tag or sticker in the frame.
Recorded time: 8 h 35 min
